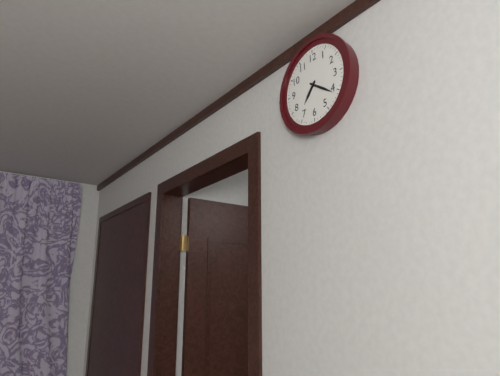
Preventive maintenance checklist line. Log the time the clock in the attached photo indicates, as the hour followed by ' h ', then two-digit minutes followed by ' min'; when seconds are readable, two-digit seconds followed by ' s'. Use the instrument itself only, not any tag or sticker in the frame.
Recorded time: 7 h 21 min
